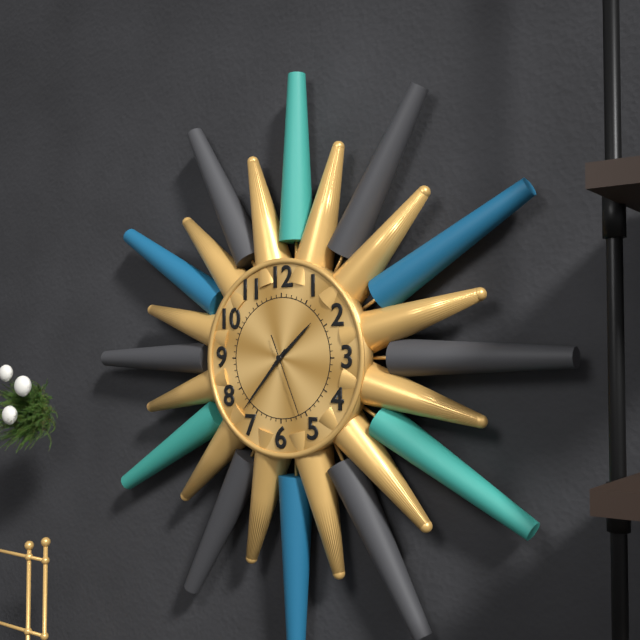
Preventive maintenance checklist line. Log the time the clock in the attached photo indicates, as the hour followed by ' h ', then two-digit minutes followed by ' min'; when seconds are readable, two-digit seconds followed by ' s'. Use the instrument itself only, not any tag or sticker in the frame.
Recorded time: 1 h 37 min 26 s
